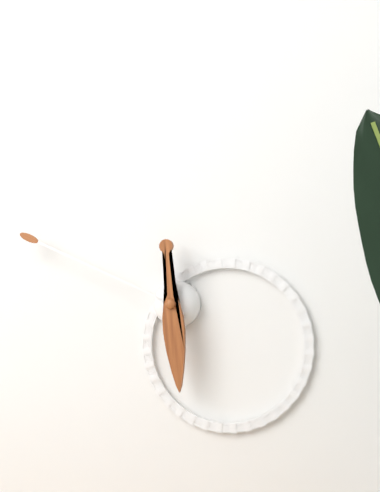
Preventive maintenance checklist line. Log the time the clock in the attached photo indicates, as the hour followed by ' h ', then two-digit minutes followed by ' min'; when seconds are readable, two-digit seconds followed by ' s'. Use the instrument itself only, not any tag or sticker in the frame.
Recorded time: 5 h 49 min
